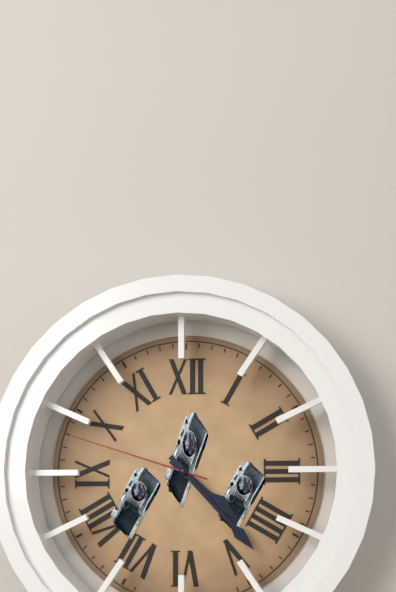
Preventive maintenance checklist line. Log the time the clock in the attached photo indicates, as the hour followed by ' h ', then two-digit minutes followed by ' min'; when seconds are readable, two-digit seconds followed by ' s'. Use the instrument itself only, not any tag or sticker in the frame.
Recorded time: 4 h 23 min 48 s
